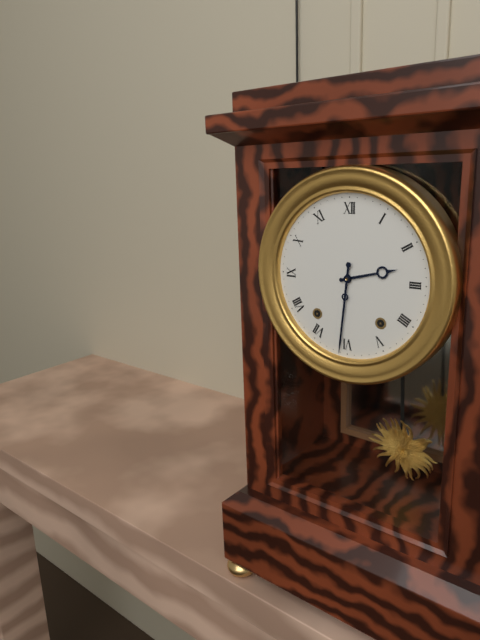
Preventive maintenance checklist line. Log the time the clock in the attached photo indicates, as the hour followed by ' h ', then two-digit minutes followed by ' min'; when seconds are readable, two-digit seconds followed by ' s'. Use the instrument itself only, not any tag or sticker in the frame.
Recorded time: 2 h 31 min
